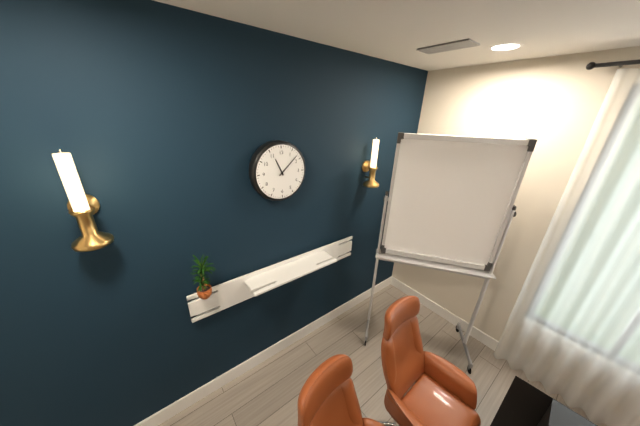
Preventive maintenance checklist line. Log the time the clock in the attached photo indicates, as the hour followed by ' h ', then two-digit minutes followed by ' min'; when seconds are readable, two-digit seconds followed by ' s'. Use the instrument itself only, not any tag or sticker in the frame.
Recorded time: 11 h 08 min
